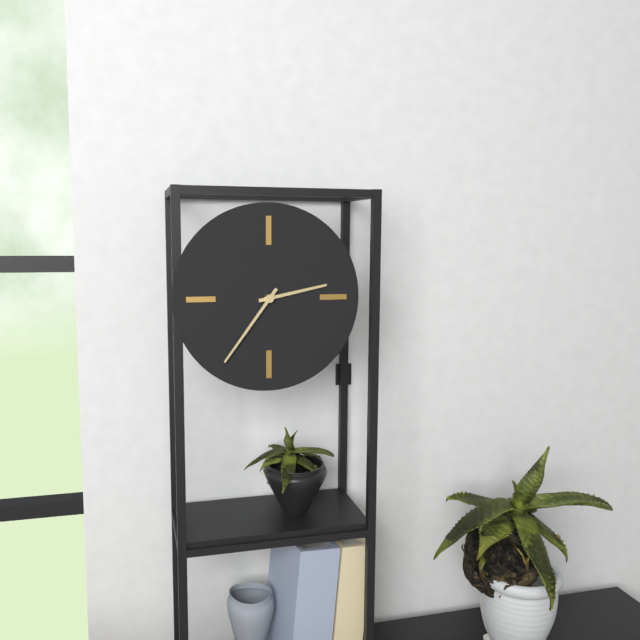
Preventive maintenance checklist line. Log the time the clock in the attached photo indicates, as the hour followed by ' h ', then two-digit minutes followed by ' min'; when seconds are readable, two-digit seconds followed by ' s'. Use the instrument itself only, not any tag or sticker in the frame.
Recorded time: 2 h 36 min
